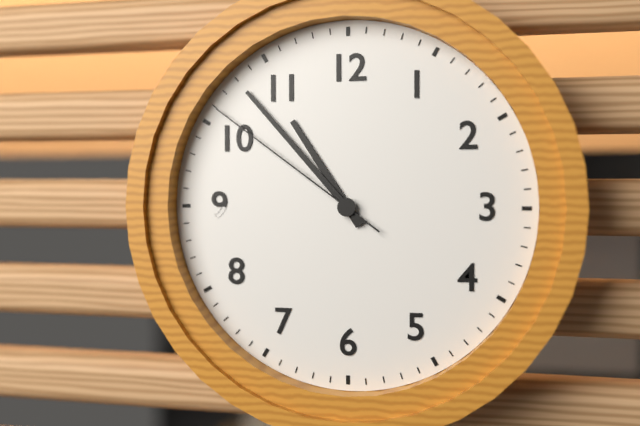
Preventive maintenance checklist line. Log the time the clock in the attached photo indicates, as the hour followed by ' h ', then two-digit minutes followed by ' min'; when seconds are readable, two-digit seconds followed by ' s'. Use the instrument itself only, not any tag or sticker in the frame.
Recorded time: 10 h 53 min 51 s
